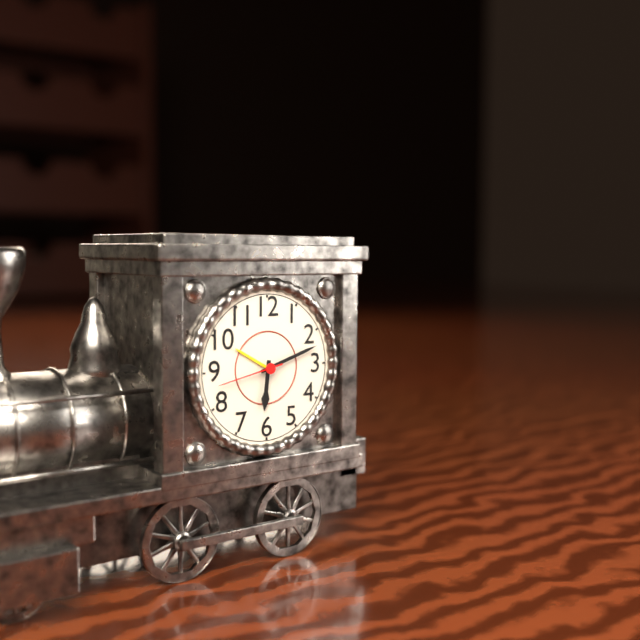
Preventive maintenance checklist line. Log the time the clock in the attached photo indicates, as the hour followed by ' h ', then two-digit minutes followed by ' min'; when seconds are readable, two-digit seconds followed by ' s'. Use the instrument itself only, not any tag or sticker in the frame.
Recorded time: 6 h 12 min 43 s
